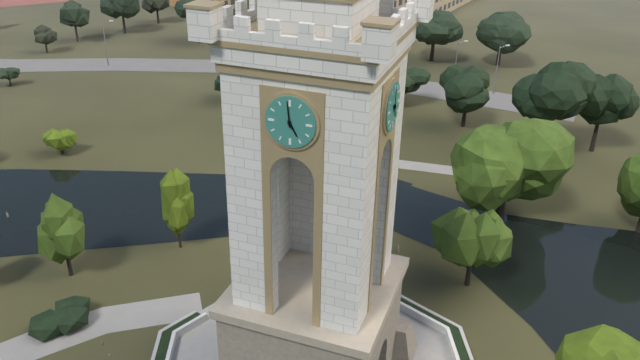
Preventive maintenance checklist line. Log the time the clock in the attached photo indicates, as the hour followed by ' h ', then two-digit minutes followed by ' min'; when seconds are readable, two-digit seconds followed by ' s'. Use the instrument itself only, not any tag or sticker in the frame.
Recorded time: 4 h 59 min
